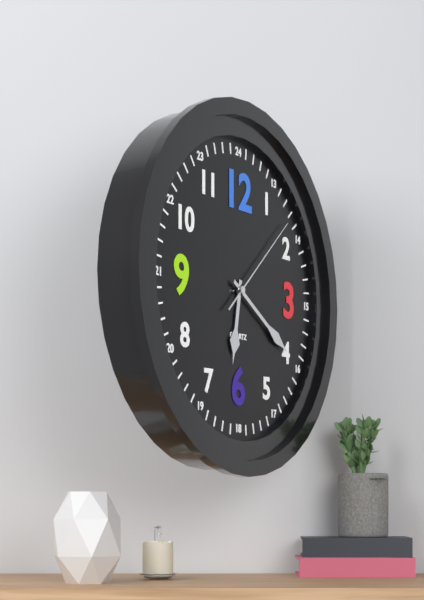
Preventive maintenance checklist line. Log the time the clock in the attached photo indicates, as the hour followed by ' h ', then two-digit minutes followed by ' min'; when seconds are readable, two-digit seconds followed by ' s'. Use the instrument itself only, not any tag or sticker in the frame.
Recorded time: 6 h 20 min 08 s
